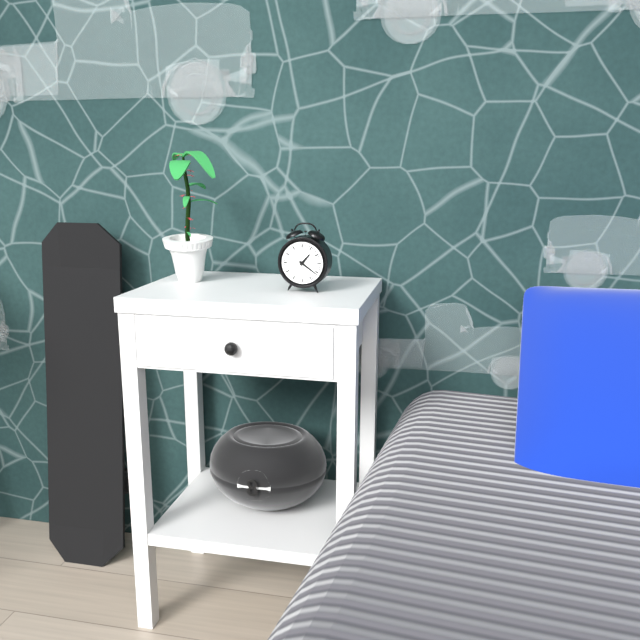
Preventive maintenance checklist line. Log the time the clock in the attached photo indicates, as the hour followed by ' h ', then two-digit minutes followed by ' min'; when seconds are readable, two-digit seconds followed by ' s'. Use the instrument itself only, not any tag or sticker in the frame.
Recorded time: 1 h 21 min
